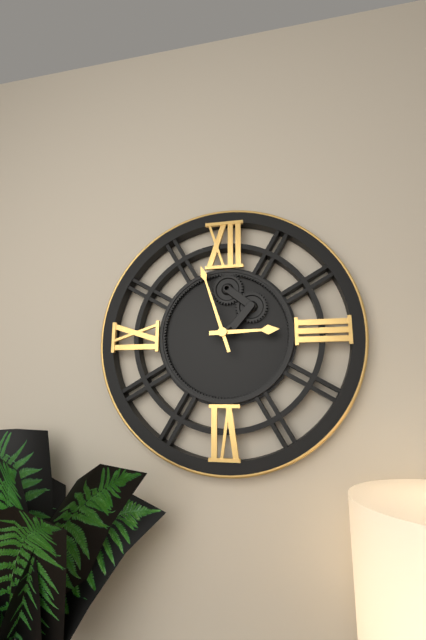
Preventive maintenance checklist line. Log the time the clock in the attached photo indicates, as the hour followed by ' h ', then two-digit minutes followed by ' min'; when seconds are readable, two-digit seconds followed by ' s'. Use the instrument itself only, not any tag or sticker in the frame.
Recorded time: 2 h 57 min
